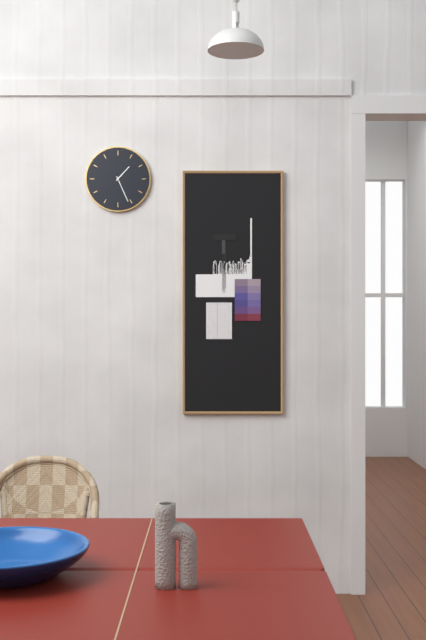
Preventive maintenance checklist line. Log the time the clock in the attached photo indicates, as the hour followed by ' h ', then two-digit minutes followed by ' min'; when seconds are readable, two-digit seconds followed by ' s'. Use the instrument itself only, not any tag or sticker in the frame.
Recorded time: 1 h 26 min
